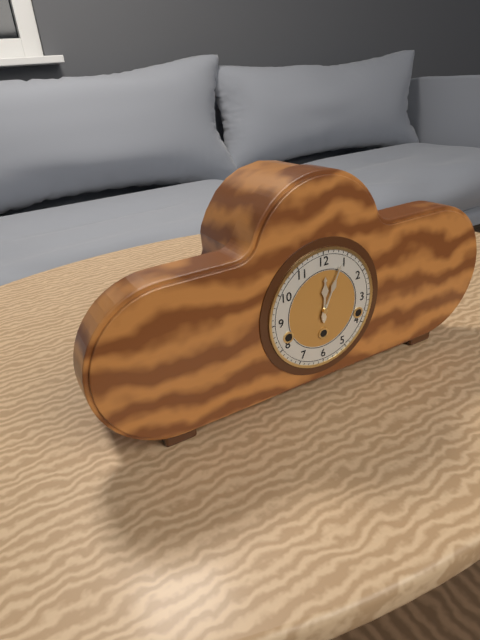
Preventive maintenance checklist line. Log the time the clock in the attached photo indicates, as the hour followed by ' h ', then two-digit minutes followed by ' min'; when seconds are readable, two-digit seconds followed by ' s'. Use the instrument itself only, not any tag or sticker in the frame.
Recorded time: 12 h 04 min
